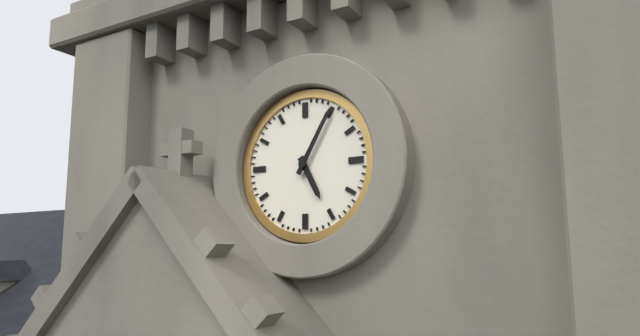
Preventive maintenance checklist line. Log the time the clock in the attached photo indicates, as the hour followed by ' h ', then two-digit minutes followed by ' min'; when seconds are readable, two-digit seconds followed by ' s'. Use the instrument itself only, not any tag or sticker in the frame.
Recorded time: 5 h 05 min
